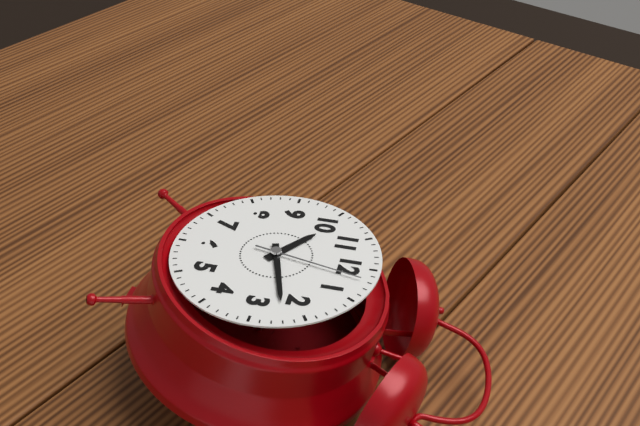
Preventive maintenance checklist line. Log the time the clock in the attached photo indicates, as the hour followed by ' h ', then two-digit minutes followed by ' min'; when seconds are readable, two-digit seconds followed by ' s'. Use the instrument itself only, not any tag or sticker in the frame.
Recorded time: 10 h 12 min 02 s
